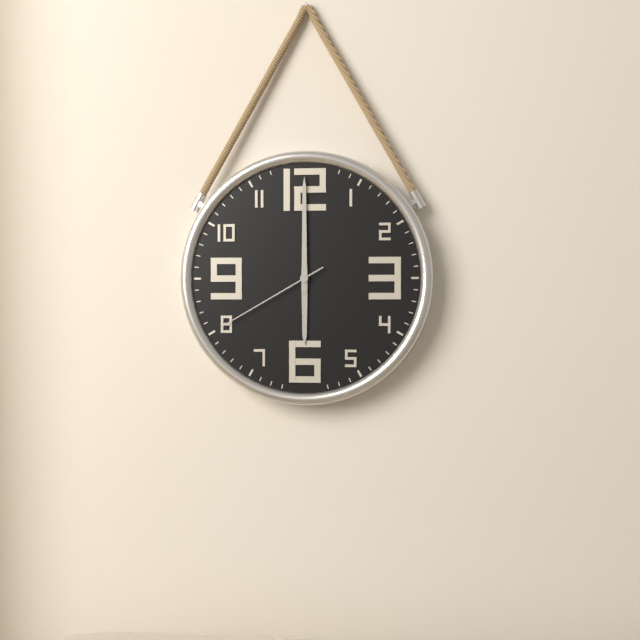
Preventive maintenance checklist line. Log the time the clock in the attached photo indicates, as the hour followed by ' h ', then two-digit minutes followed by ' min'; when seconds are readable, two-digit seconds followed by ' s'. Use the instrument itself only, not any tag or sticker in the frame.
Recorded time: 6 h 00 min 40 s
